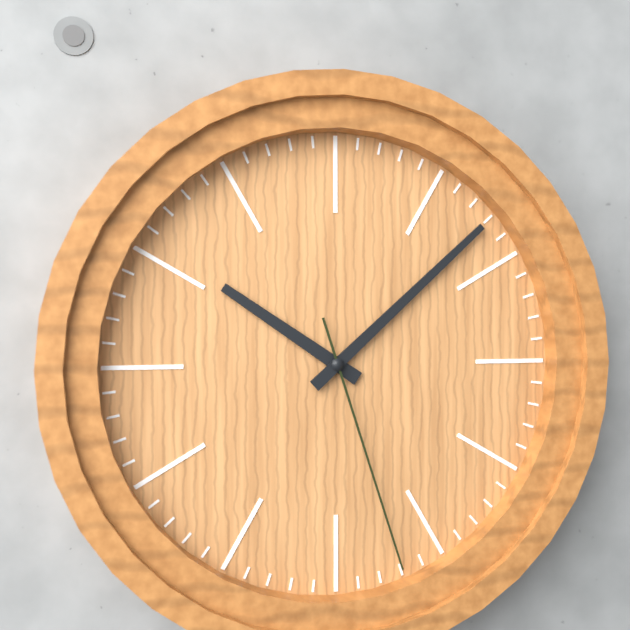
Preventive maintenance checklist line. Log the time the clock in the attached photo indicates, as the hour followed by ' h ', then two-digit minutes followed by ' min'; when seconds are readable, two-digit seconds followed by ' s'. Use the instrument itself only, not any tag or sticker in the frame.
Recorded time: 10 h 08 min 27 s
